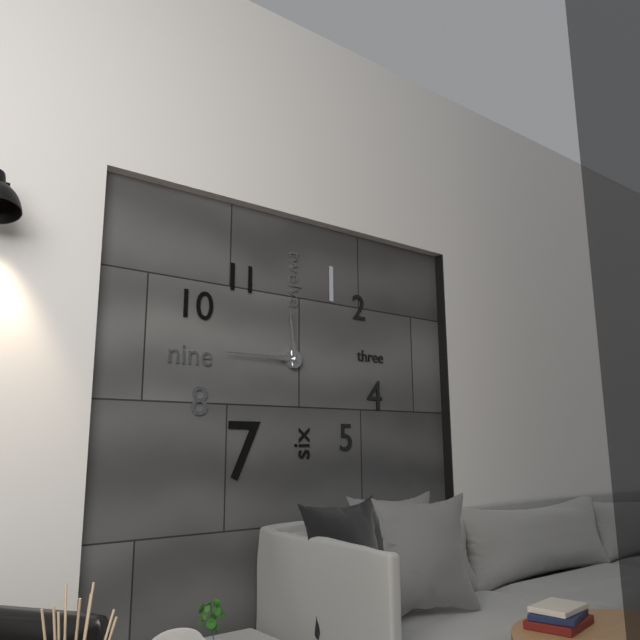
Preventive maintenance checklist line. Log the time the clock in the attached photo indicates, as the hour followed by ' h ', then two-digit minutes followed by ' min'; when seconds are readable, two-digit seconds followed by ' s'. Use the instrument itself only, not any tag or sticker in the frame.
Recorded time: 11 h 45 min
